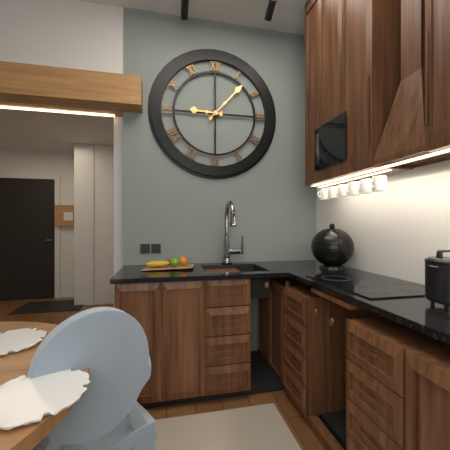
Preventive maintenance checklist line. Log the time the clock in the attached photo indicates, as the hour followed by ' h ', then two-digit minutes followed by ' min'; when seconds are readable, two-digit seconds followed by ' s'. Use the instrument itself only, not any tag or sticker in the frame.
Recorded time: 9 h 07 min
